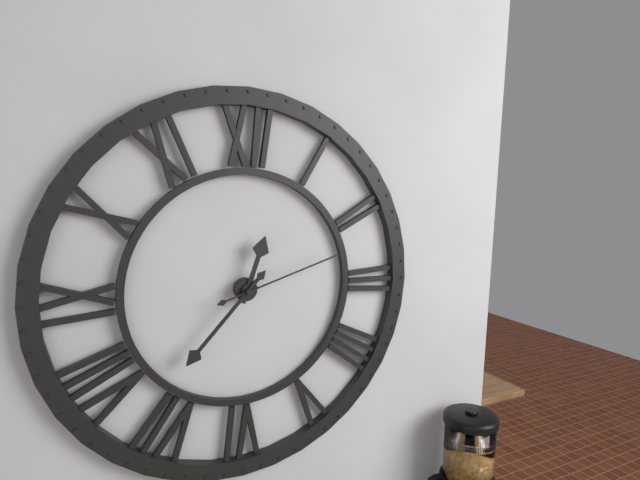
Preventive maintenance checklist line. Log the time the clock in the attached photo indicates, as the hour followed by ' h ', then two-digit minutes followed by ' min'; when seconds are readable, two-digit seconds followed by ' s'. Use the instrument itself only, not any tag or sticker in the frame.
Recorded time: 12 h 37 min 12 s
